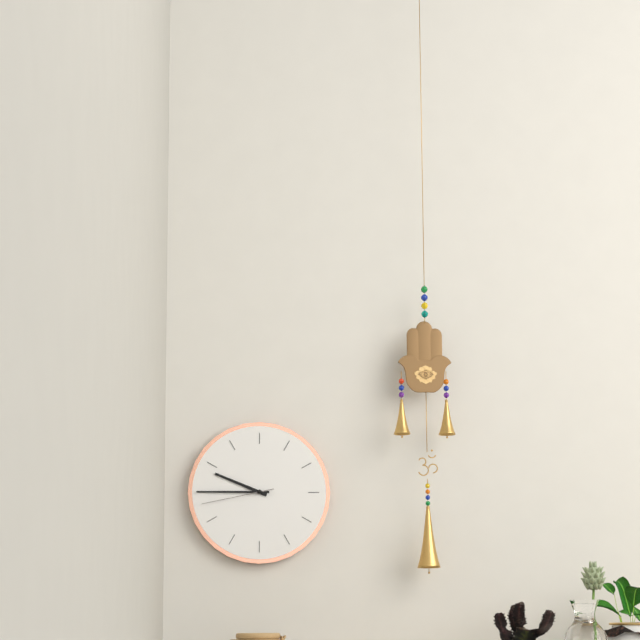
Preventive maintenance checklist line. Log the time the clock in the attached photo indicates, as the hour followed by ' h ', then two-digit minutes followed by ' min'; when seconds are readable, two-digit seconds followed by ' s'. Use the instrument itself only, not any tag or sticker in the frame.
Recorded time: 9 h 45 min 43 s
